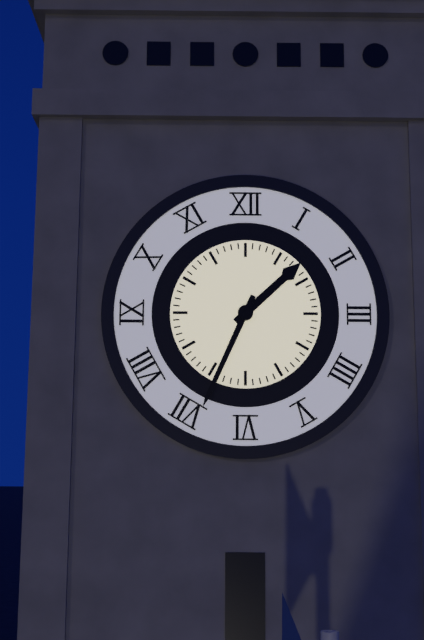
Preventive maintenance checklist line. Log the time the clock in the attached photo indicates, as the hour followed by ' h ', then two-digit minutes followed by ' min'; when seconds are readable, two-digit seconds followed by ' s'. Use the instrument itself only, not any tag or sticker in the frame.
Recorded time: 1 h 34 min
